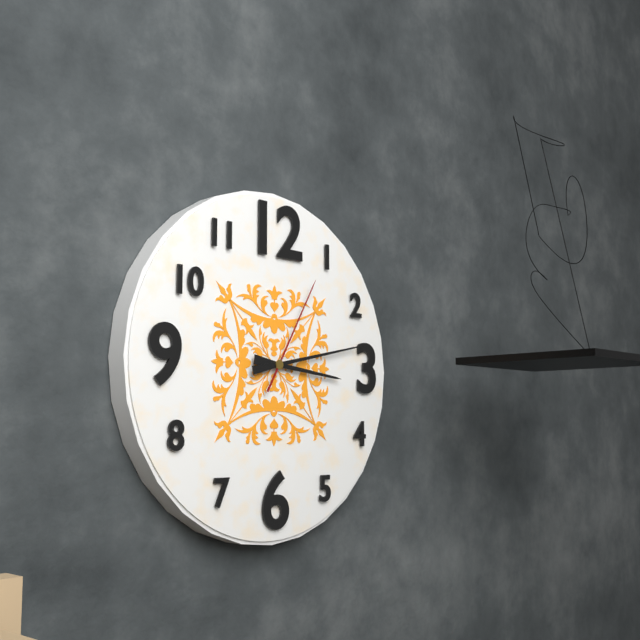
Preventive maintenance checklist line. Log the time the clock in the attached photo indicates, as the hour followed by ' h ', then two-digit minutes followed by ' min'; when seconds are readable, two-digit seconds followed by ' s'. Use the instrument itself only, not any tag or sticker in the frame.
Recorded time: 3 h 13 min 05 s
